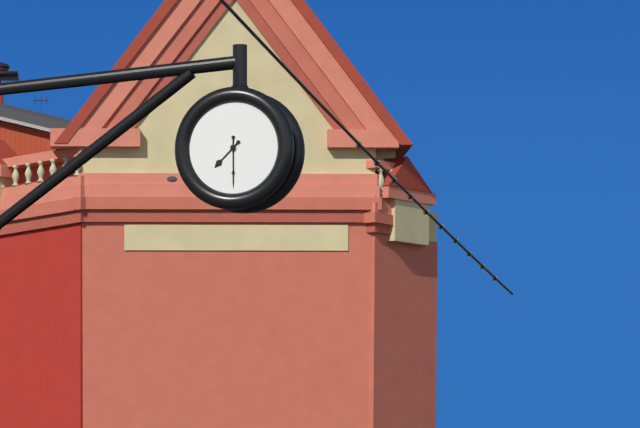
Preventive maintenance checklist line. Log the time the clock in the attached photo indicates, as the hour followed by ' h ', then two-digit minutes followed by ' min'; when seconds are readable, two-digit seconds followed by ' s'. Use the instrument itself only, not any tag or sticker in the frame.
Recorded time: 7 h 30 min
